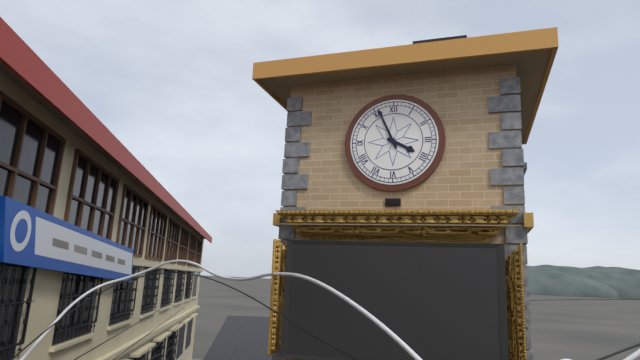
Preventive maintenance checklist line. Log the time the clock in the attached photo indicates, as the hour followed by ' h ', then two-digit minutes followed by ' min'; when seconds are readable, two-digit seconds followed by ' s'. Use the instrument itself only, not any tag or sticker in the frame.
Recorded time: 3 h 56 min
